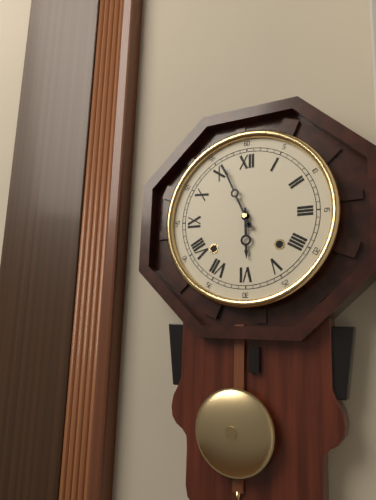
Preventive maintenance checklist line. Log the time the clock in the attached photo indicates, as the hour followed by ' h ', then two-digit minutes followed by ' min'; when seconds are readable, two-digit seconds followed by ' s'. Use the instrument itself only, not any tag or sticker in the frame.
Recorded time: 5 h 56 min
